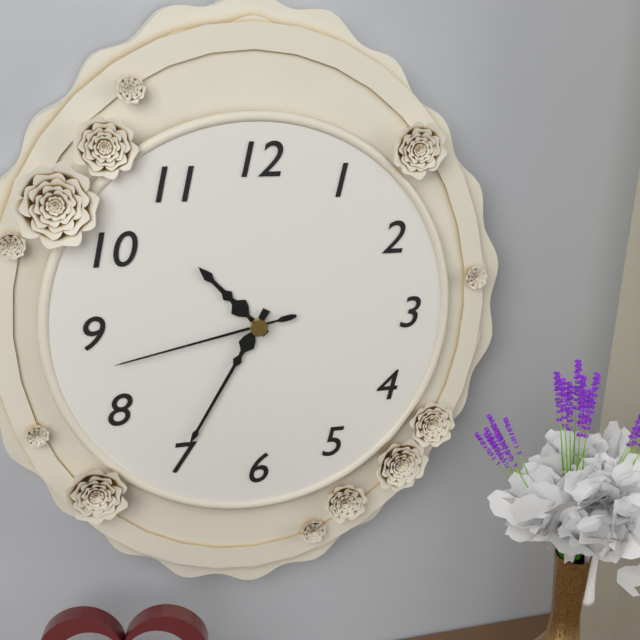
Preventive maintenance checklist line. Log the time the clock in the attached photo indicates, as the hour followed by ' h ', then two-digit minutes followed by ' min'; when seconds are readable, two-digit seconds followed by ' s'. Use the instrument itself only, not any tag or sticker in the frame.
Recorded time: 10 h 35 min 43 s
